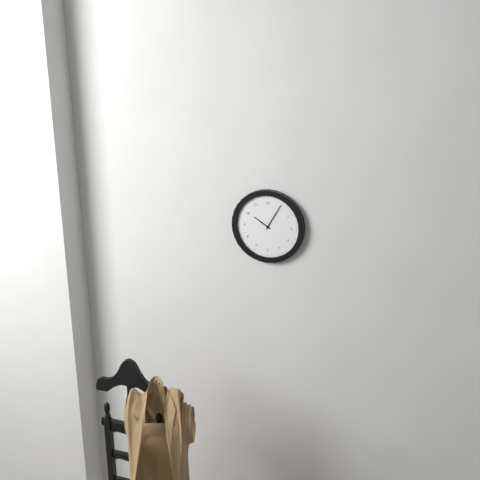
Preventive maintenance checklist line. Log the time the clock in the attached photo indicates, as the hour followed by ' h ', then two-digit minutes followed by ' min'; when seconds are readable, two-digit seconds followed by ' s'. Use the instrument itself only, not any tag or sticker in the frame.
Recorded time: 10 h 05 min
